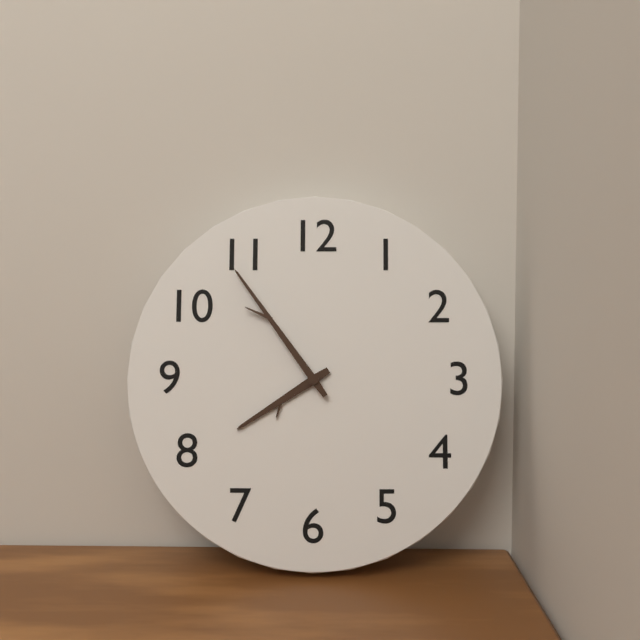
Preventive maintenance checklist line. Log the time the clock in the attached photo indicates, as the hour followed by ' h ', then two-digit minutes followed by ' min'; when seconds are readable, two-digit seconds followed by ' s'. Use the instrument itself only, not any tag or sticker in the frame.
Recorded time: 7 h 54 min
